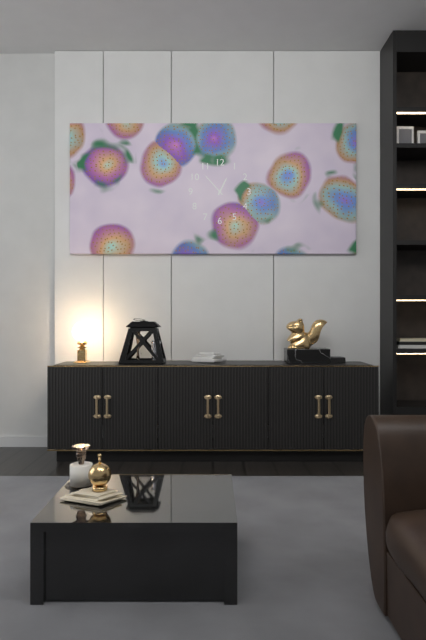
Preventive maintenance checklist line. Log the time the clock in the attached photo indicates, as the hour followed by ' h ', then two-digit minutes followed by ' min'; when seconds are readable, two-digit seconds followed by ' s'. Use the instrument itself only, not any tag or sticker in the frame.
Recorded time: 12 h 53 min
